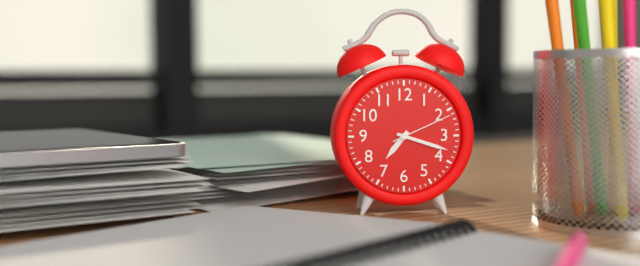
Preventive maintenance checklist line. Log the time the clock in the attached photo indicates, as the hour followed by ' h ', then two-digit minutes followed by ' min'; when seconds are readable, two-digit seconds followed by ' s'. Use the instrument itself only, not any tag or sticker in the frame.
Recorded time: 7 h 18 min 11 s
